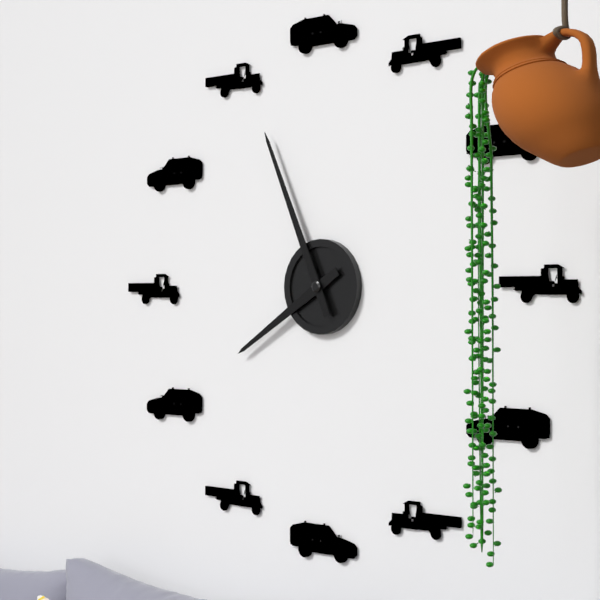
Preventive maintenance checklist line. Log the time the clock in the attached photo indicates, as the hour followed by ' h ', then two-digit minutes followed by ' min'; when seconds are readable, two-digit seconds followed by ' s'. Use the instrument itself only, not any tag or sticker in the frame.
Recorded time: 7 h 56 min
